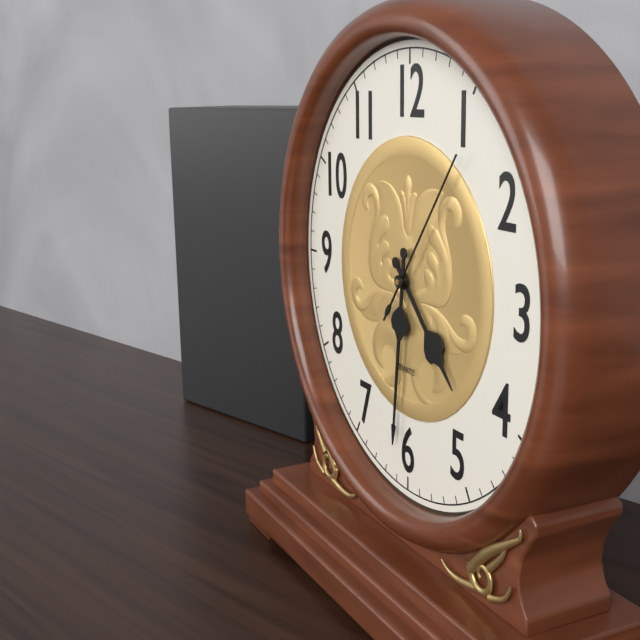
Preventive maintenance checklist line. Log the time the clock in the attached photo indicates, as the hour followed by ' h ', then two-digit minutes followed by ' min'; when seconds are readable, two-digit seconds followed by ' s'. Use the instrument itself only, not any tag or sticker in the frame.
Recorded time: 4 h 31 min 06 s
